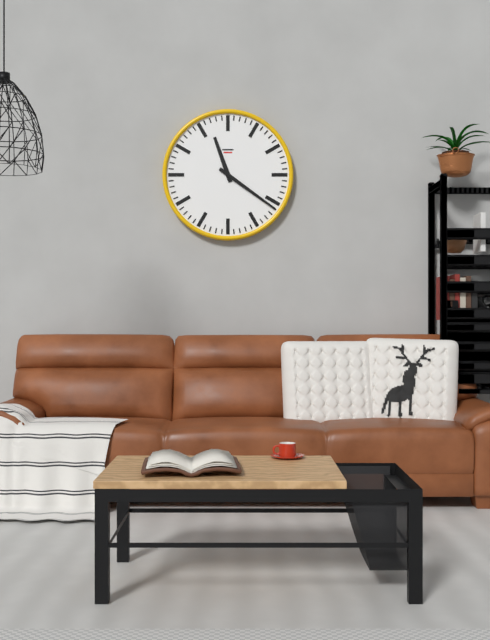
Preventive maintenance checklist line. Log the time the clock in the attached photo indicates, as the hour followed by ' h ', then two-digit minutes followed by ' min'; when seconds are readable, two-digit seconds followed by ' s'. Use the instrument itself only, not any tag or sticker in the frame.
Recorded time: 11 h 21 min
